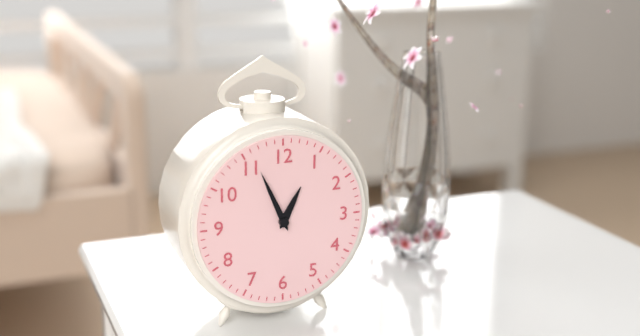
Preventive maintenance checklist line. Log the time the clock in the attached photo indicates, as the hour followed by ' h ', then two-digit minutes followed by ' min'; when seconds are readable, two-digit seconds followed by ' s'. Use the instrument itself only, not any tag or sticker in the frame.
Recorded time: 12 h 56 min
